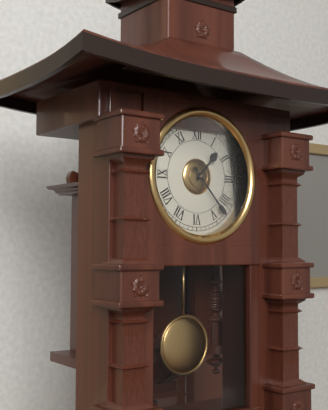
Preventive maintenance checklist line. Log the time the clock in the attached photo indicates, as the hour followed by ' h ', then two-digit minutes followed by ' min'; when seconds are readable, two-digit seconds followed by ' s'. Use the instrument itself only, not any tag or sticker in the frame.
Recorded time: 1 h 23 min
